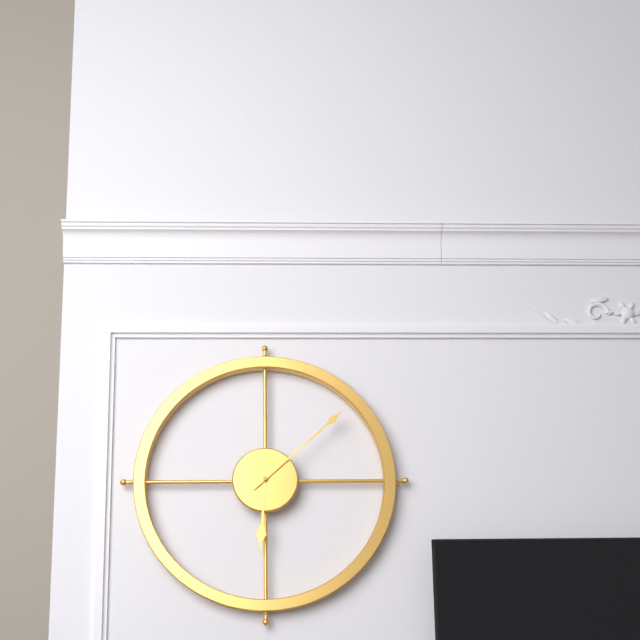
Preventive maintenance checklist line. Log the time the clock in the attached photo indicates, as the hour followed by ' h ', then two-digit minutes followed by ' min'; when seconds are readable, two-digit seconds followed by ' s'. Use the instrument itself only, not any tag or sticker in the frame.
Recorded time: 6 h 08 min
